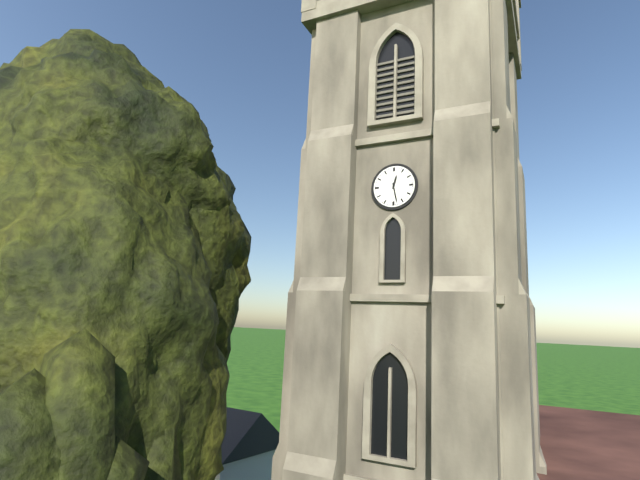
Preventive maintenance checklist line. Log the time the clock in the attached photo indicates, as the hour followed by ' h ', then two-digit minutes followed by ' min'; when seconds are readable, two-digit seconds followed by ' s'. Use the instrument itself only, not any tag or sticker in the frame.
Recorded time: 12 h 28 min
